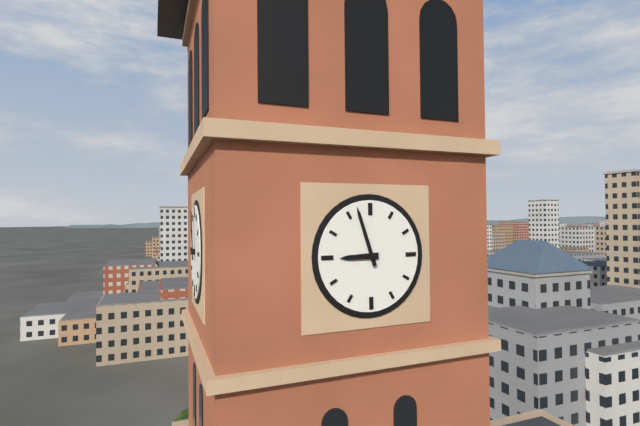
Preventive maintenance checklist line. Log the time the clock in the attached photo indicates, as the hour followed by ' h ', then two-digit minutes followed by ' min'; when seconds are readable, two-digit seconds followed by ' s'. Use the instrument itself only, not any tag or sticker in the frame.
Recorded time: 8 h 57 min
